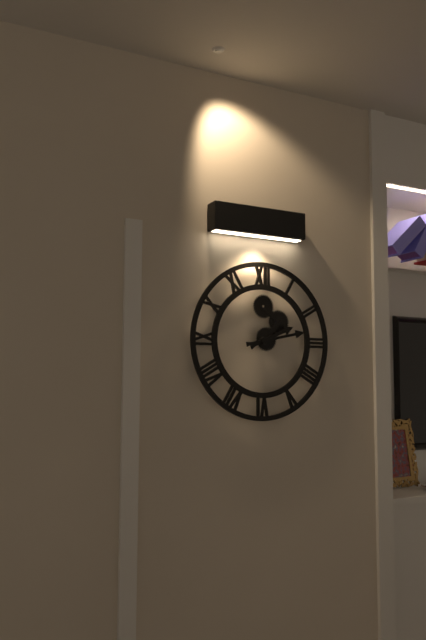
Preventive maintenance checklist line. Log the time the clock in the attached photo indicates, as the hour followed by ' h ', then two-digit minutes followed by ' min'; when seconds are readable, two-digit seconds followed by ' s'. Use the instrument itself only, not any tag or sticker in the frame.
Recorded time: 2 h 13 min
